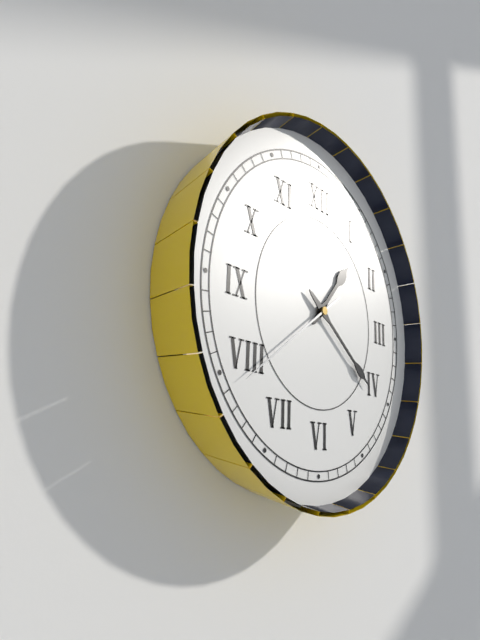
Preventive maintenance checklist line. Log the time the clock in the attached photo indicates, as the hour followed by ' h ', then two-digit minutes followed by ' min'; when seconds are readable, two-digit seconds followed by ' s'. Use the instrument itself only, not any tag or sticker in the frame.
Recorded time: 1 h 21 min 39 s
